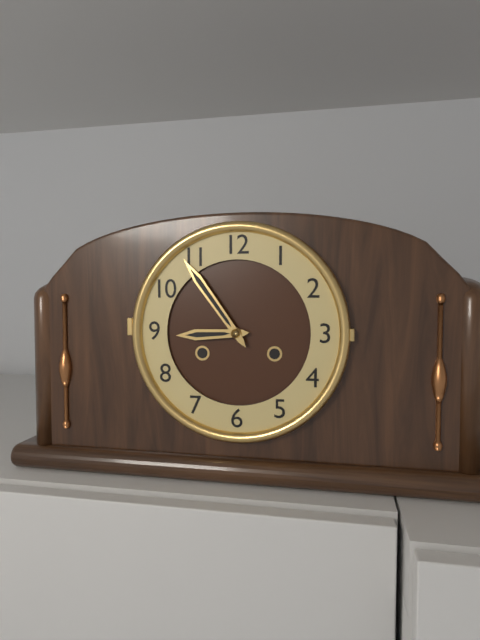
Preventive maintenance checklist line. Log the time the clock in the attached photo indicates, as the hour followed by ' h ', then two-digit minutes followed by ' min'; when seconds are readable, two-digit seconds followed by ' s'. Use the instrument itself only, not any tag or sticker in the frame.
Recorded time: 8 h 54 min
